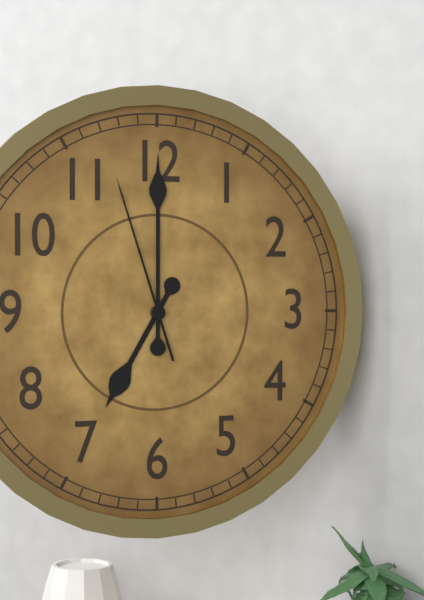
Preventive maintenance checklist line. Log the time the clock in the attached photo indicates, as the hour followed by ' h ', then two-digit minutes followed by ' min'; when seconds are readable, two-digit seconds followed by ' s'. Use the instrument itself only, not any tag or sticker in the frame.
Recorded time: 7 h 00 min 57 s
